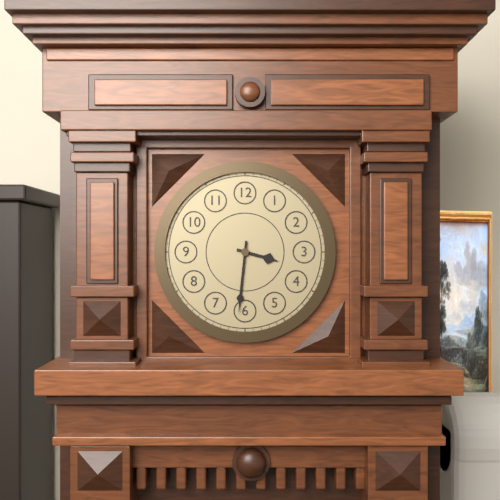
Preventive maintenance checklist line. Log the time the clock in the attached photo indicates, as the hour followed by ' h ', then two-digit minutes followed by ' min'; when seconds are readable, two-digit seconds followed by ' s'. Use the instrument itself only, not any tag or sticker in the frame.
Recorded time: 3 h 31 min
